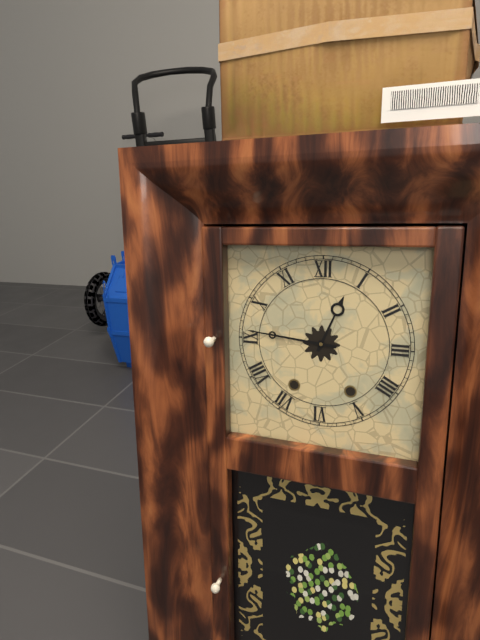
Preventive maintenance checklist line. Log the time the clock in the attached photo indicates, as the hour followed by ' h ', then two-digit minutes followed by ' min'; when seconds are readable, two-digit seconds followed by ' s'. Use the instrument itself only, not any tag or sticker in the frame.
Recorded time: 12 h 46 min
